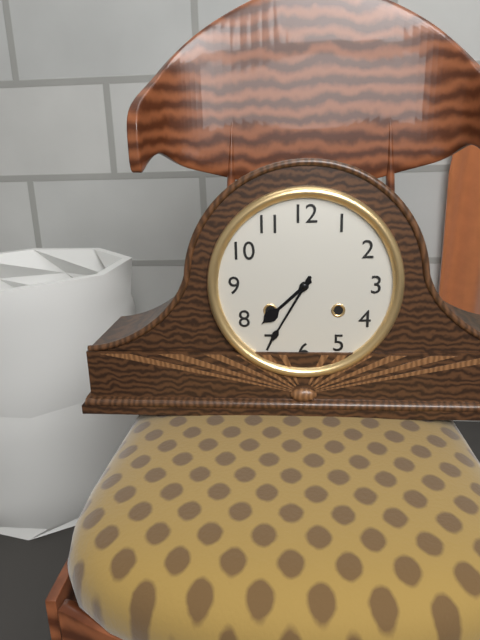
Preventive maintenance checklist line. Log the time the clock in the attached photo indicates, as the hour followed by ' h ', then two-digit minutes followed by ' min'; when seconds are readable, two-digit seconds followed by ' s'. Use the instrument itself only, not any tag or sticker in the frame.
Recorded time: 7 h 35 min
